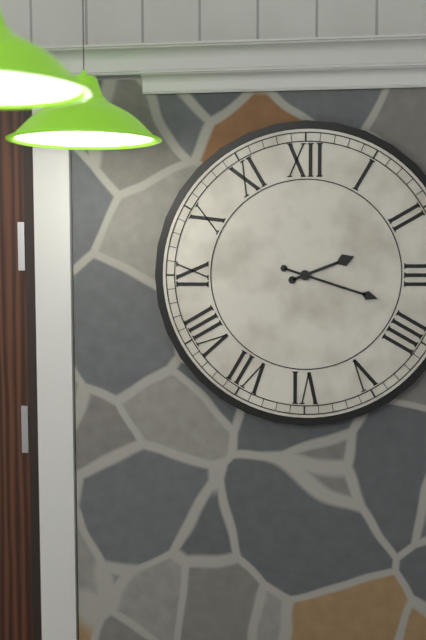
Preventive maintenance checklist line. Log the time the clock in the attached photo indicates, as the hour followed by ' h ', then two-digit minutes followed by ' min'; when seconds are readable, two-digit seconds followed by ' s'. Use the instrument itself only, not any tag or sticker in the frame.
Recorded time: 2 h 18 min
